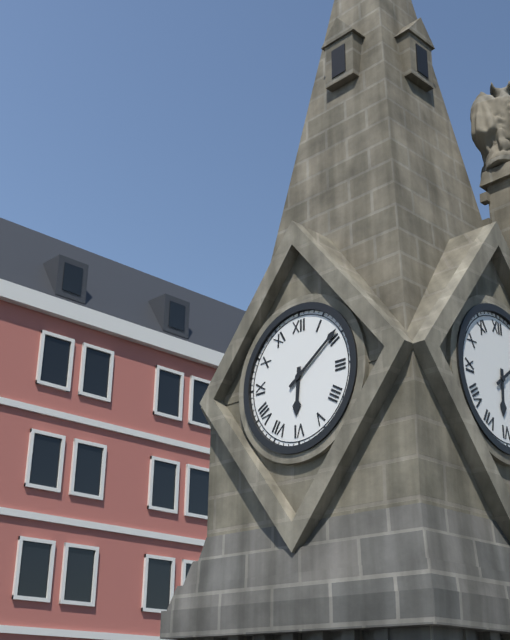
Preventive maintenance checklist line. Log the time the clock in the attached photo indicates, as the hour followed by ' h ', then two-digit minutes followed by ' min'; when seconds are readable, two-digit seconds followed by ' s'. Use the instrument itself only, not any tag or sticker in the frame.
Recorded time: 6 h 09 min
